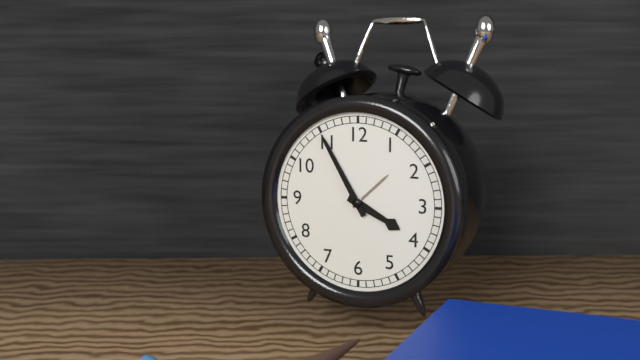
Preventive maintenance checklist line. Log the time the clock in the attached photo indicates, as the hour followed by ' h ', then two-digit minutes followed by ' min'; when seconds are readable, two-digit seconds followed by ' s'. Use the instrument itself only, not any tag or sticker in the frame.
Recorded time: 3 h 55 min
